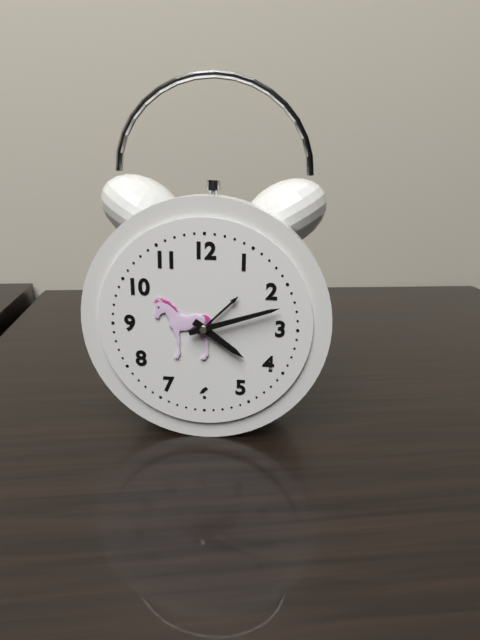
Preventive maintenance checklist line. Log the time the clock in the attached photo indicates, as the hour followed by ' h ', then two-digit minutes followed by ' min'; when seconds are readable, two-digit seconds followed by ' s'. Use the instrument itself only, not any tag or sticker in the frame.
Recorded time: 4 h 12 min
